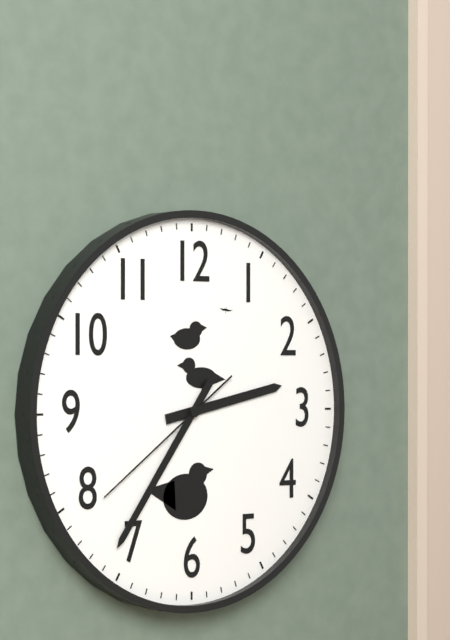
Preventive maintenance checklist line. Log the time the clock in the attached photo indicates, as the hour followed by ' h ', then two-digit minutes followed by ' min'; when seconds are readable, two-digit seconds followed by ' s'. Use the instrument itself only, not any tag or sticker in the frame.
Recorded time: 2 h 36 min 39 s
